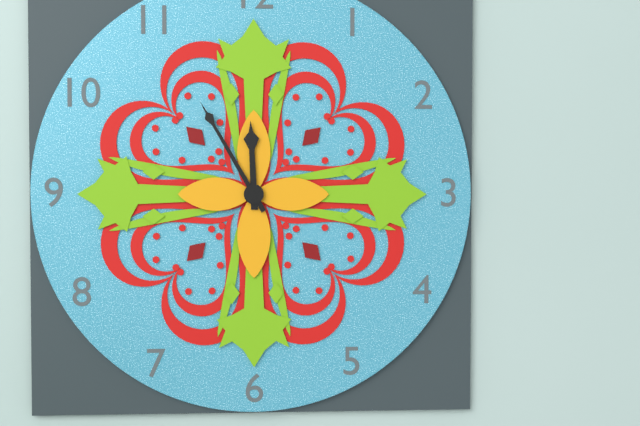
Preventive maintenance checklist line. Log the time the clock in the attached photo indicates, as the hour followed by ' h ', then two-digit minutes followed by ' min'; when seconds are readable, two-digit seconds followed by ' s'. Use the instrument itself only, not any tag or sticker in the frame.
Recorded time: 11 h 55 min
